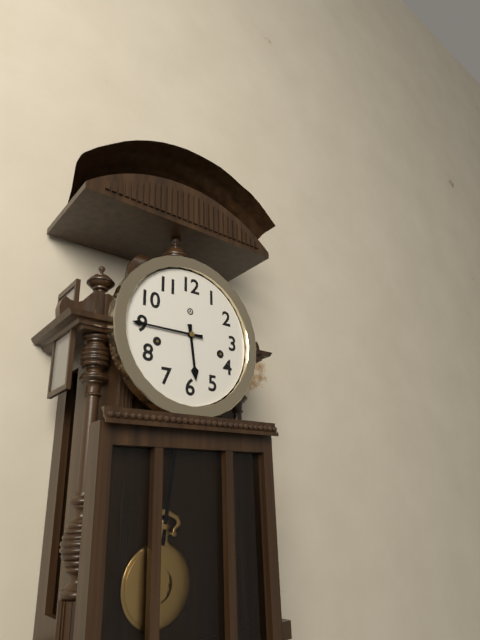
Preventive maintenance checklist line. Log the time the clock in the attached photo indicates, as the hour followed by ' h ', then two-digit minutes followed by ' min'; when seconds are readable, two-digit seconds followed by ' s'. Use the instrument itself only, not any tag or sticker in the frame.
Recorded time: 5 h 45 min
